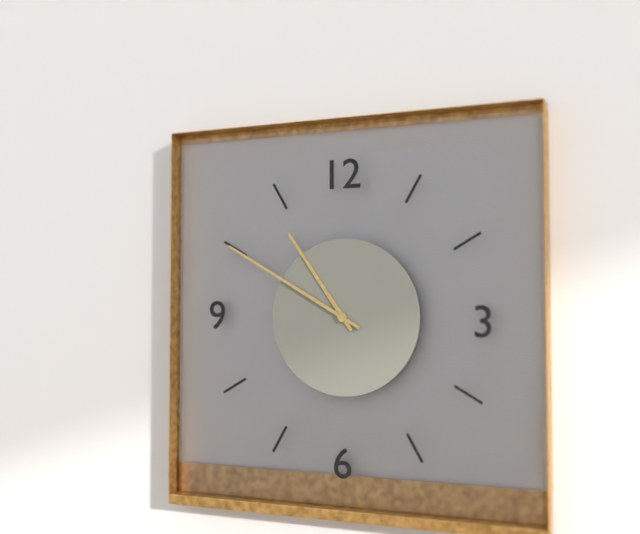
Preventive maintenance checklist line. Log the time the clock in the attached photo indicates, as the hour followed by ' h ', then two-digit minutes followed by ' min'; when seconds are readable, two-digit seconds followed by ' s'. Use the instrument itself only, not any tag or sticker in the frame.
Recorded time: 10 h 50 min
